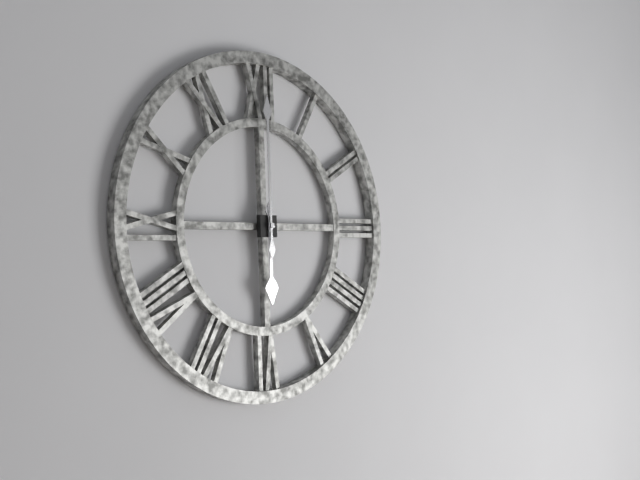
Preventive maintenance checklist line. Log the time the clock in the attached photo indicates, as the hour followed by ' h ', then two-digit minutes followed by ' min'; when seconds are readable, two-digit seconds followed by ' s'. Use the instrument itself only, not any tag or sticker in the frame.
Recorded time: 6 h 00 min
